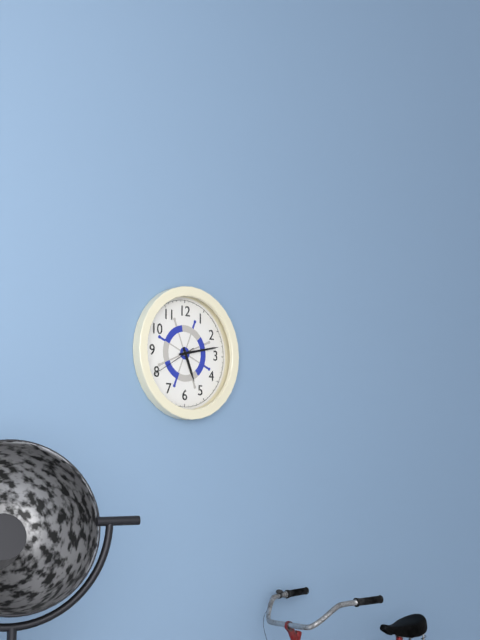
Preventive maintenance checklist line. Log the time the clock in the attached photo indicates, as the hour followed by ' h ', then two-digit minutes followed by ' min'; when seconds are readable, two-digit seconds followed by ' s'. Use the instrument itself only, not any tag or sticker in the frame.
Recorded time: 5 h 13 min
